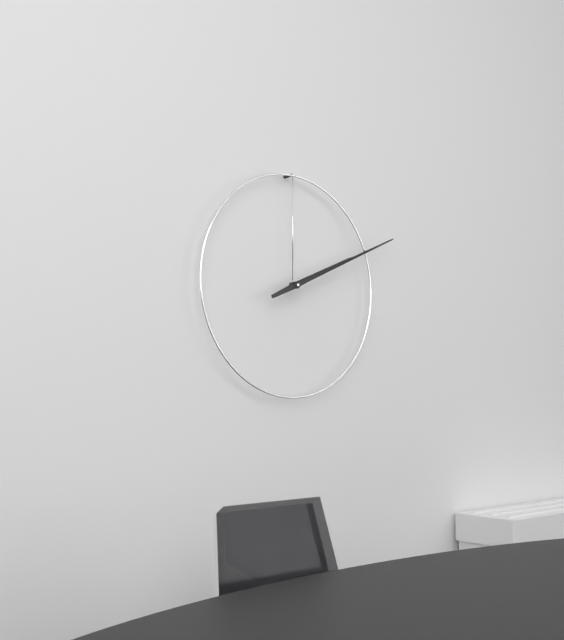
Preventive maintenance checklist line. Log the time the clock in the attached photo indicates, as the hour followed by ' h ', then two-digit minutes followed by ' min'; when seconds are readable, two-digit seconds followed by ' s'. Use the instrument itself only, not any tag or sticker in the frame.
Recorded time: 2 h 11 min
